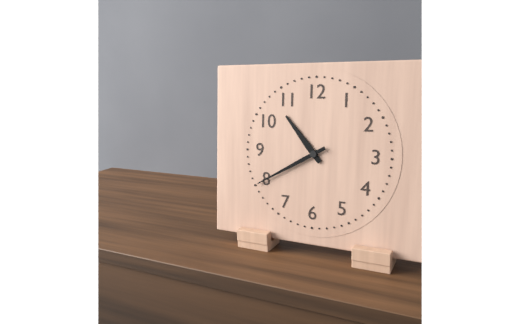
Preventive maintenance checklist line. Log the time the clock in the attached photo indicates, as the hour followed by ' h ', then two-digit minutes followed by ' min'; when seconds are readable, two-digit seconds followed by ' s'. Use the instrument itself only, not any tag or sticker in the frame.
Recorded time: 10 h 40 min
